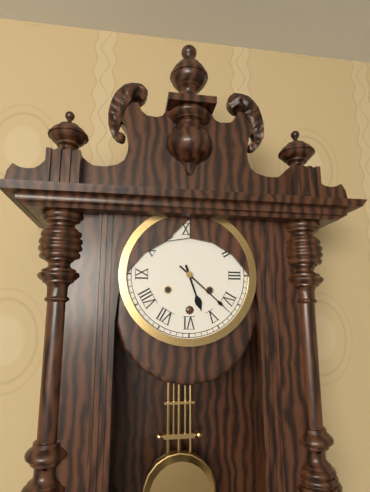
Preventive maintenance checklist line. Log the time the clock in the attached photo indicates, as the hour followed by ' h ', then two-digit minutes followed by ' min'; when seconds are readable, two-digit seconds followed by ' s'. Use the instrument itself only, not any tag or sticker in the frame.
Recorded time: 5 h 22 min
